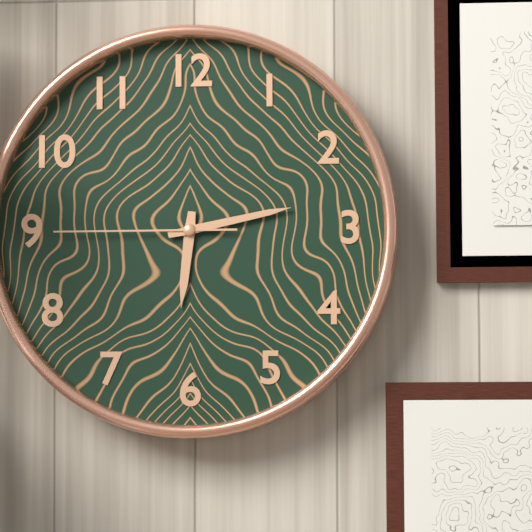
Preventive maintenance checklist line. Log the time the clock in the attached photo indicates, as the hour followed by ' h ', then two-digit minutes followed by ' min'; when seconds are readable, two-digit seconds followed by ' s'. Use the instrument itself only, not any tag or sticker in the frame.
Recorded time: 6 h 13 min 45 s
